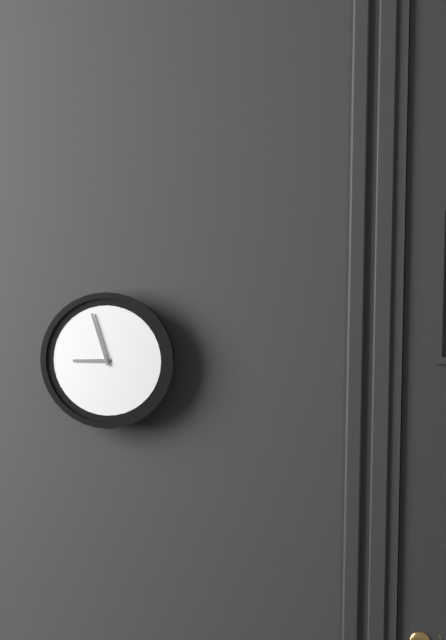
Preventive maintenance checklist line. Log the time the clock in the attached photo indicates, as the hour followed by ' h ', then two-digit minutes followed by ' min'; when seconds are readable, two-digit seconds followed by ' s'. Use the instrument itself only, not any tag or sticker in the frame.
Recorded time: 8 h 57 min
